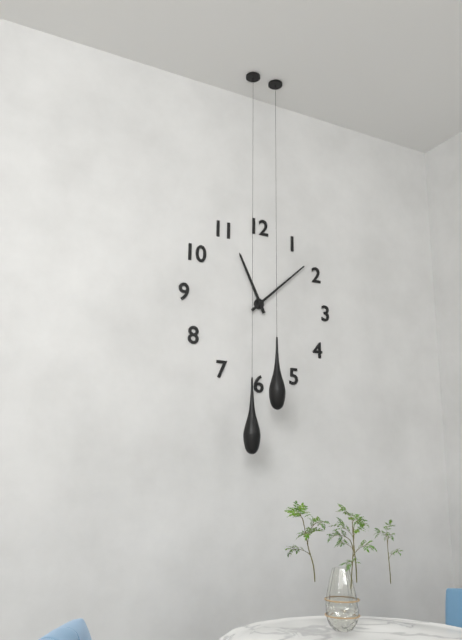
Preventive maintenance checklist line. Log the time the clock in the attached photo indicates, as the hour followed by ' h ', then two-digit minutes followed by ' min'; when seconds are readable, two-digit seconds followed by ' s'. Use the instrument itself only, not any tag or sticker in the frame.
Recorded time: 11 h 08 min
